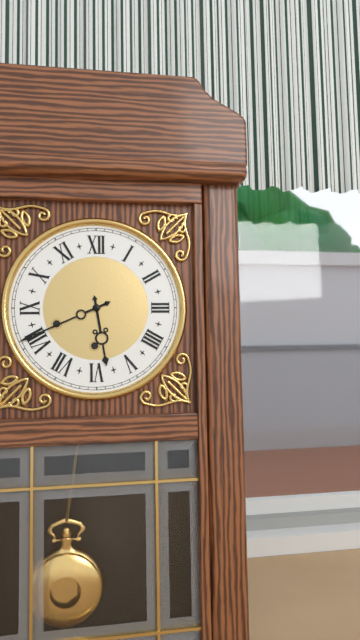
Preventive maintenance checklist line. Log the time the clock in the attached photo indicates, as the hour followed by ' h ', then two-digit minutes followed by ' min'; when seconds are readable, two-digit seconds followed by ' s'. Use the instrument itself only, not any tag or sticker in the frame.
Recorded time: 5 h 41 min
